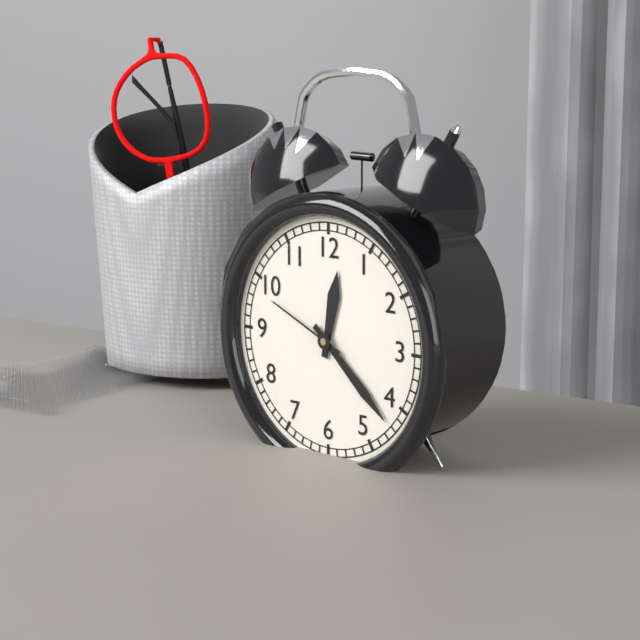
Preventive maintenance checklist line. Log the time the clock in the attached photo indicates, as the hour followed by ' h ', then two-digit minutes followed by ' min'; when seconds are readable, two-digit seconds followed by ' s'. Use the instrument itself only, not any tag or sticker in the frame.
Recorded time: 12 h 22 min 49 s
